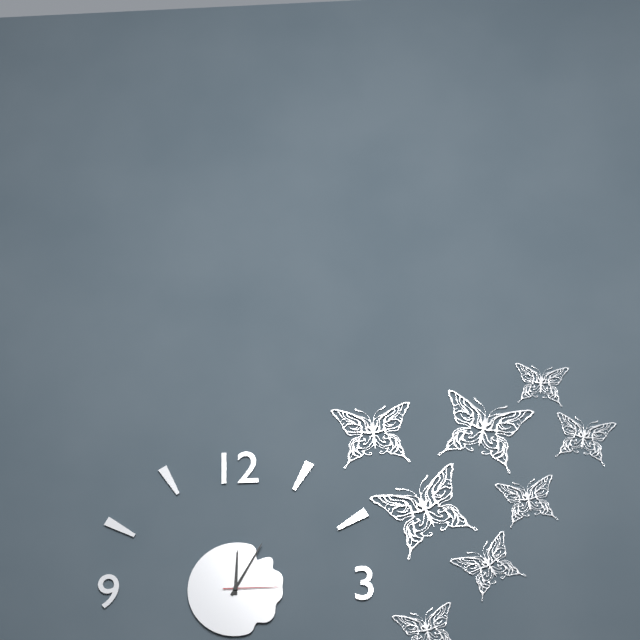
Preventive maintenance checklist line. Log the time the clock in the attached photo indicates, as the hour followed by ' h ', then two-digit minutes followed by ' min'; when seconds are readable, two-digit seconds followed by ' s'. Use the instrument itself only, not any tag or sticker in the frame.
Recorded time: 12 h 05 min 15 s
